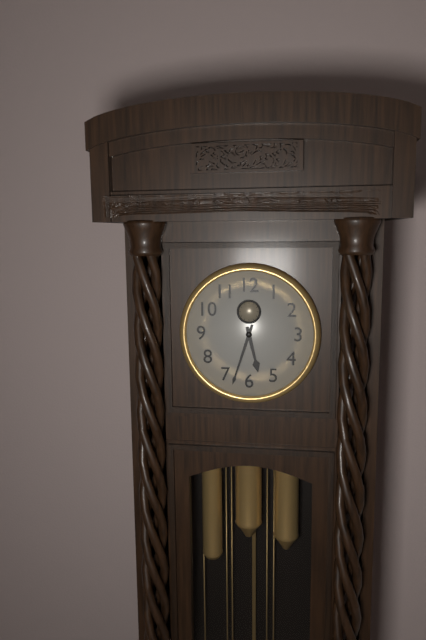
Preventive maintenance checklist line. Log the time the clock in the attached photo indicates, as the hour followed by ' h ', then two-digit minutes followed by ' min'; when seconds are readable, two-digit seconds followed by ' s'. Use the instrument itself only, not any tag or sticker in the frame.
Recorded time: 5 h 33 min
